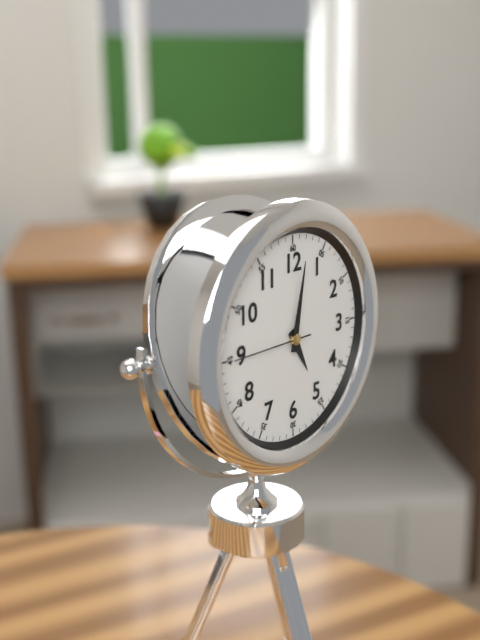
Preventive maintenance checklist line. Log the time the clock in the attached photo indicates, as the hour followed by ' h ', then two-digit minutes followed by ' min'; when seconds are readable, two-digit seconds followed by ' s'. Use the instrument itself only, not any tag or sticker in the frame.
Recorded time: 5 h 02 min 45 s
